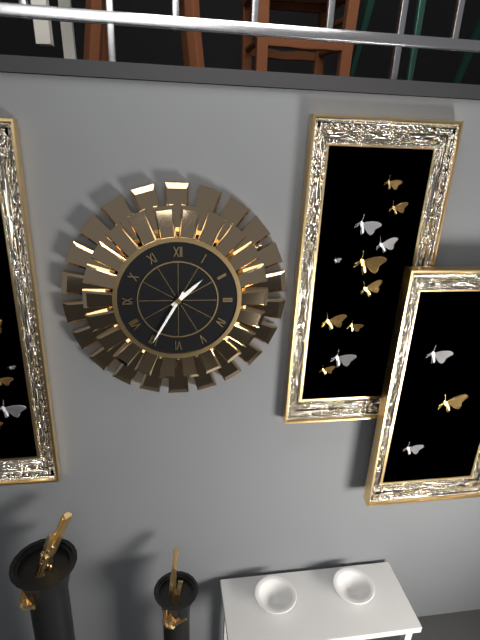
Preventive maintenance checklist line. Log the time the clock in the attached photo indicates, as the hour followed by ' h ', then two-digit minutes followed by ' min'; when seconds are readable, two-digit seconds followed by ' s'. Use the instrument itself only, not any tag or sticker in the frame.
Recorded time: 1 h 35 min
